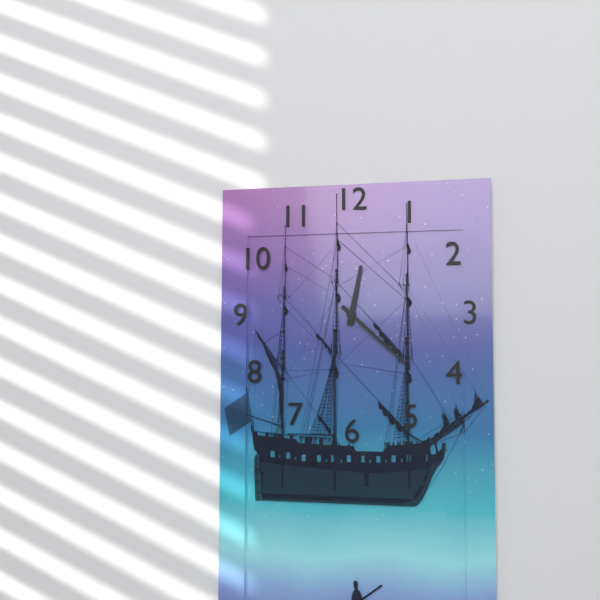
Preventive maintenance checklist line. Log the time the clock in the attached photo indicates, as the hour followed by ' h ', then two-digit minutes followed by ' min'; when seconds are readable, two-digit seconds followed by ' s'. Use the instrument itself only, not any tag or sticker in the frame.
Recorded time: 12 h 22 min
